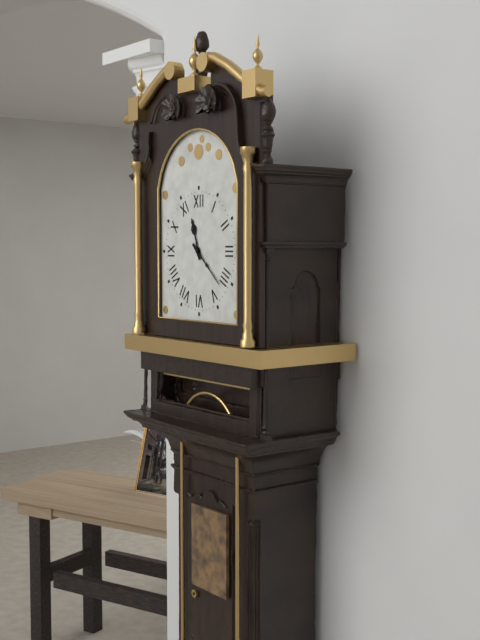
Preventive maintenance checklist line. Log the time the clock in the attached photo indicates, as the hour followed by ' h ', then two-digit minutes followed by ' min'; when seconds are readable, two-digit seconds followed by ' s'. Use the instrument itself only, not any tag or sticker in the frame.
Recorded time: 11 h 22 min
